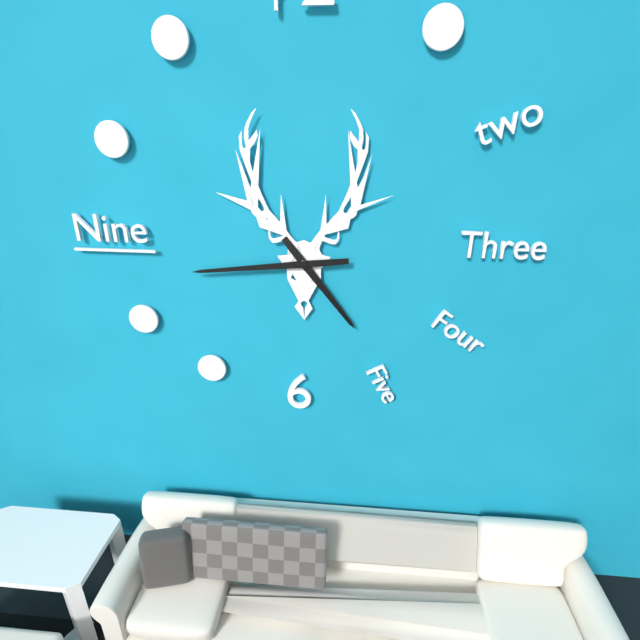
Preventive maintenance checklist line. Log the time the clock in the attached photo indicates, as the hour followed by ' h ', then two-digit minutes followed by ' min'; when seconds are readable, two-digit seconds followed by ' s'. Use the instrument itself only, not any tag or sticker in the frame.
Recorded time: 4 h 44 min
